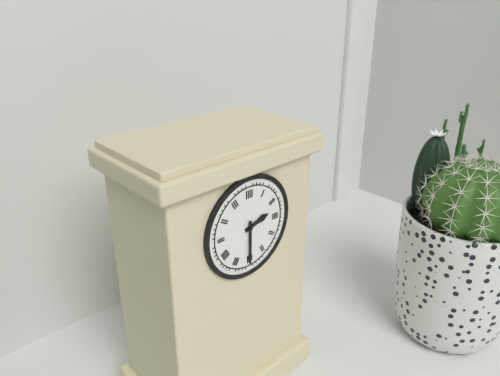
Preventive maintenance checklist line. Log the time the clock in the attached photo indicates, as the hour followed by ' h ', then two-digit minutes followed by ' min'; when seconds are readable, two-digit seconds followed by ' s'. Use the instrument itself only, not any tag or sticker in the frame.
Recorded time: 2 h 30 min
